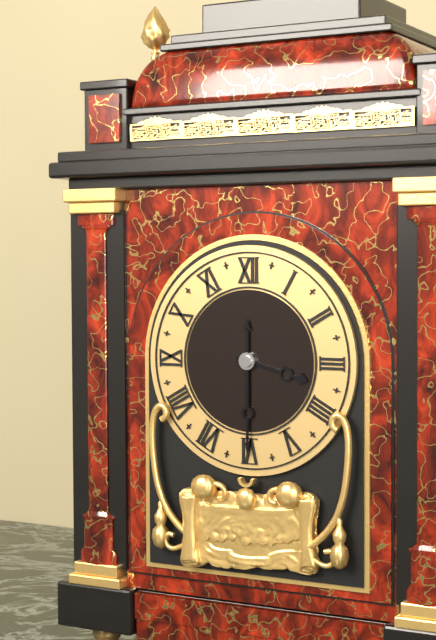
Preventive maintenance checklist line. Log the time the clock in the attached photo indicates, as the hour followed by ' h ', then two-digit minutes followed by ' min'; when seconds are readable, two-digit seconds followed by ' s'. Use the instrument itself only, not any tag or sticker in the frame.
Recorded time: 3 h 30 min
